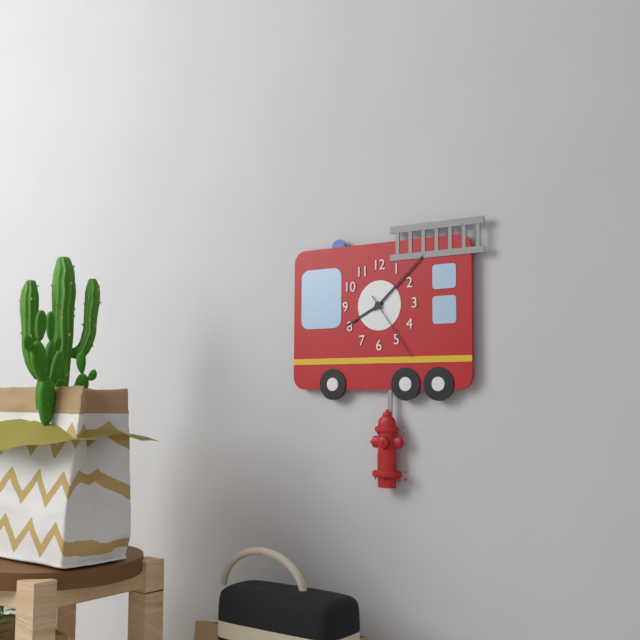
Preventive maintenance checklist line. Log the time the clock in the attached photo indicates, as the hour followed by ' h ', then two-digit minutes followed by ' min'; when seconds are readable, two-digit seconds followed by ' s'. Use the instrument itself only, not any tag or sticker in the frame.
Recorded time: 8 h 08 min 24 s
